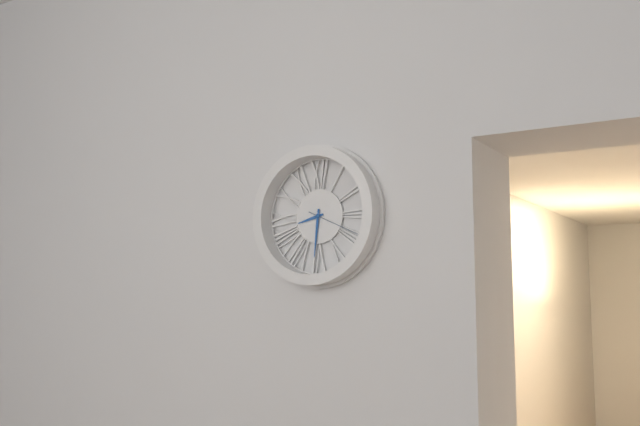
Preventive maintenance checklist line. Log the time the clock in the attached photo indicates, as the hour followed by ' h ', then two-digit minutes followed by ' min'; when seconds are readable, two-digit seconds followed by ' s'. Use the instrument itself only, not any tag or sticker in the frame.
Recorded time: 8 h 31 min 19 s
